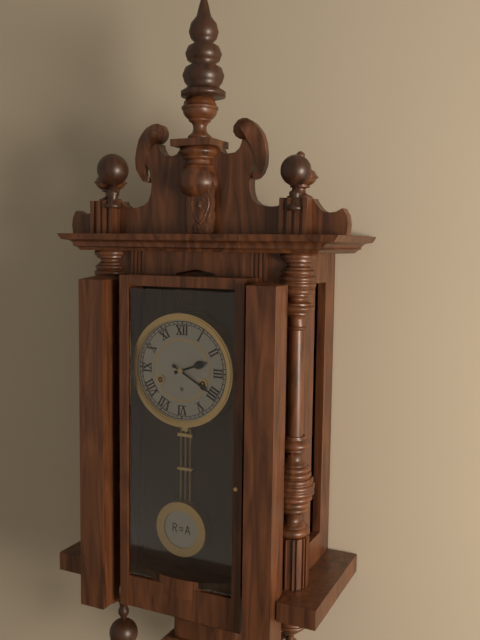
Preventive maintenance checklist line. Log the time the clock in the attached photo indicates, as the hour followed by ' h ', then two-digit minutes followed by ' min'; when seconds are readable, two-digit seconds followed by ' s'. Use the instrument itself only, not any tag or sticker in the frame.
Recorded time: 2 h 20 min
